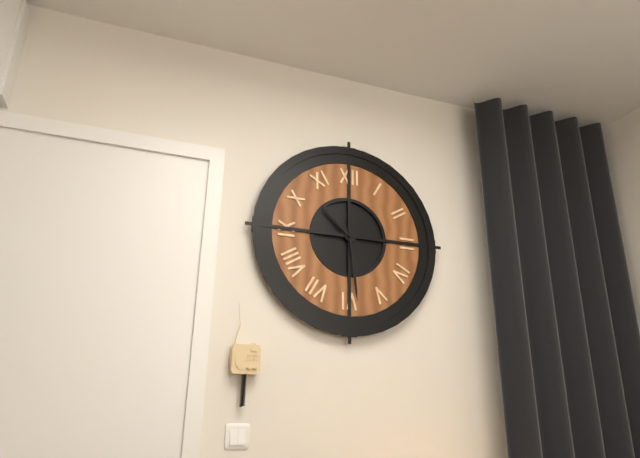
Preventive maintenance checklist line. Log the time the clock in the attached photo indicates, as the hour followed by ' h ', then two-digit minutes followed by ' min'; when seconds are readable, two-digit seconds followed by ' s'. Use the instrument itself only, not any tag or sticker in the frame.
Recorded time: 10 h 29 min
